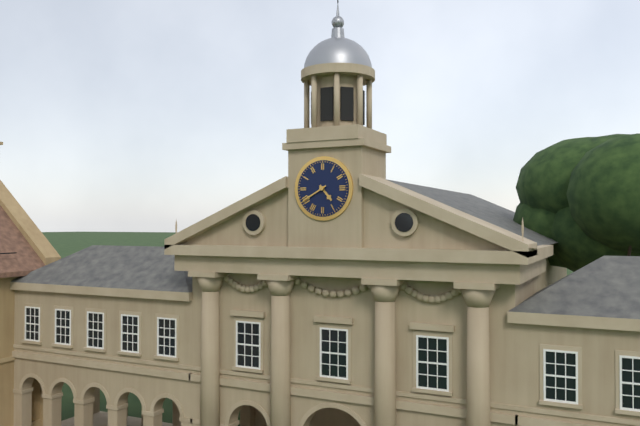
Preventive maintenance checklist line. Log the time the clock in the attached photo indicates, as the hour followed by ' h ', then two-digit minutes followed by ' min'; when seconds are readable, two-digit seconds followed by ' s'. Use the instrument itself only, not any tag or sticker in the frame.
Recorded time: 4 h 40 min
